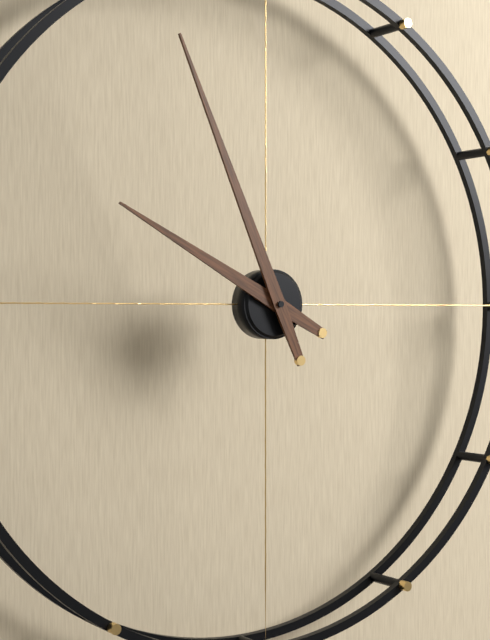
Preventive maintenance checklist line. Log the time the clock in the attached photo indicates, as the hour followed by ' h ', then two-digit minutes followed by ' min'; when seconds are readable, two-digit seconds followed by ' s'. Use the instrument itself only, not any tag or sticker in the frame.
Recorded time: 9 h 56 min
